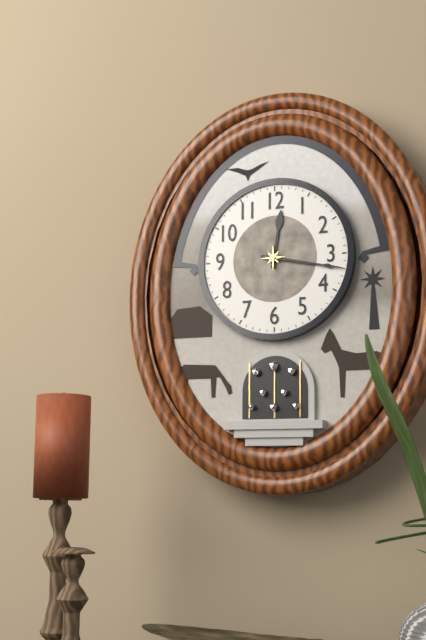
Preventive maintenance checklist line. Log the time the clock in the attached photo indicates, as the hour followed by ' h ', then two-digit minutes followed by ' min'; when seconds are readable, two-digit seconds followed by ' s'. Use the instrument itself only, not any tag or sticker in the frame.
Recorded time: 12 h 17 min
